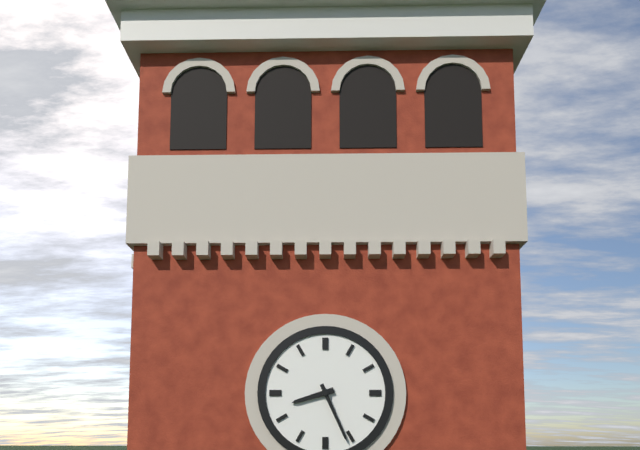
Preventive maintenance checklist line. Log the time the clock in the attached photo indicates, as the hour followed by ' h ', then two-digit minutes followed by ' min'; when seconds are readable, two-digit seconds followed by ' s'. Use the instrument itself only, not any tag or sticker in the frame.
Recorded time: 8 h 26 min
